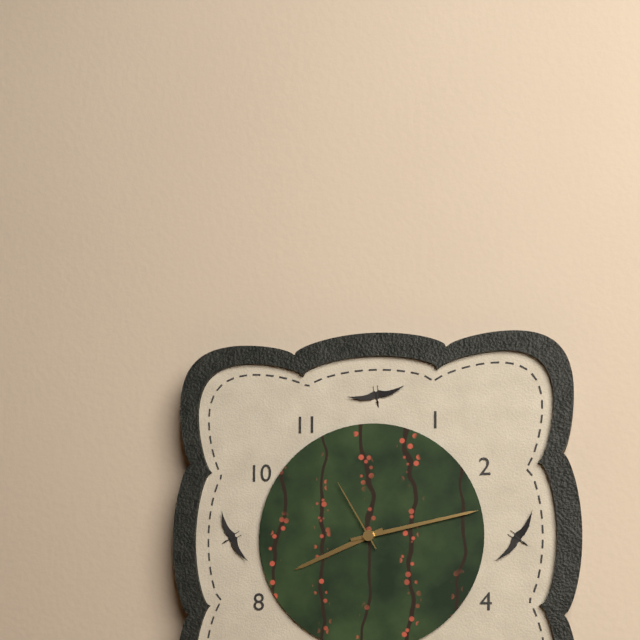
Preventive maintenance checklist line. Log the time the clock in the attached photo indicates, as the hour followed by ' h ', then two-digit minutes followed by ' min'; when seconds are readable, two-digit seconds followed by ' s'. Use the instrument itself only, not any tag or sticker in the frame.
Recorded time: 8 h 13 min 55 s
